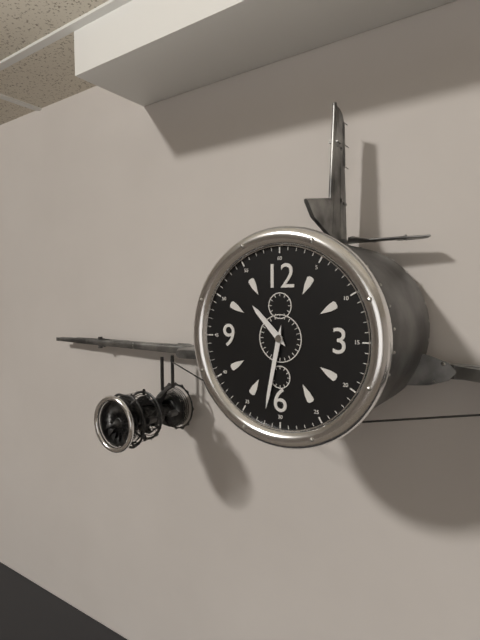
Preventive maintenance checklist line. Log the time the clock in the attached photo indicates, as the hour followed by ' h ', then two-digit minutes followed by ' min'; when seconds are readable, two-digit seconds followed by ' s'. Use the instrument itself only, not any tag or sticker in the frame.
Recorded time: 10 h 32 min
